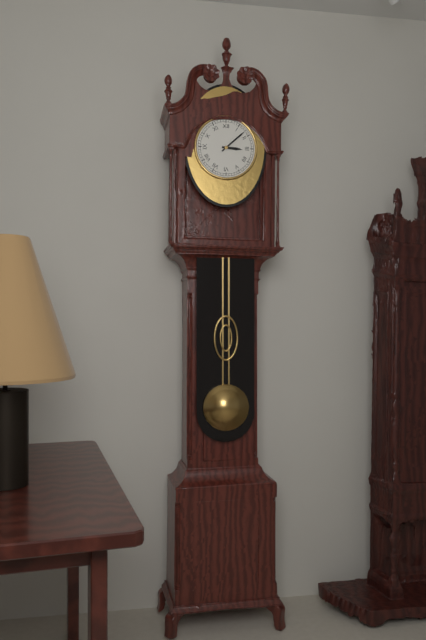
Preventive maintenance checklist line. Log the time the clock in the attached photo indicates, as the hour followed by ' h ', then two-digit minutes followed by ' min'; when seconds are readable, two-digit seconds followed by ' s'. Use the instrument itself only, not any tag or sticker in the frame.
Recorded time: 3 h 08 min
